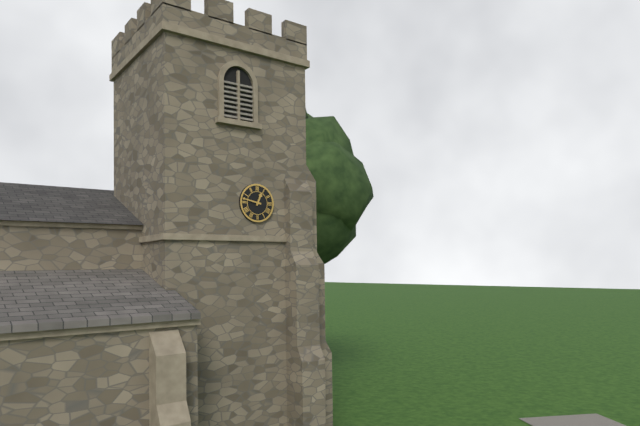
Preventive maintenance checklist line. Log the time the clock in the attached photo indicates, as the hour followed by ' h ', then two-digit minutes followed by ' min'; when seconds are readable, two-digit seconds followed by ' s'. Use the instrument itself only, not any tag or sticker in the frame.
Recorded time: 12 h 47 min
